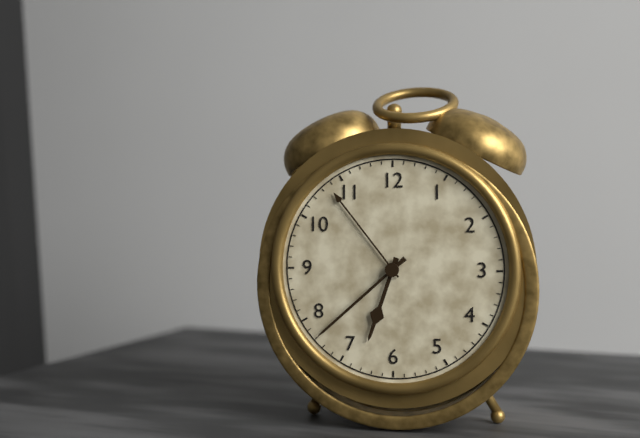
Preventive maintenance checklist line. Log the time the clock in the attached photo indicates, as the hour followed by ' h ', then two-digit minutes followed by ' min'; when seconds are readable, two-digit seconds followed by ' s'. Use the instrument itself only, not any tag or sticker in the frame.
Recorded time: 6 h 38 min
